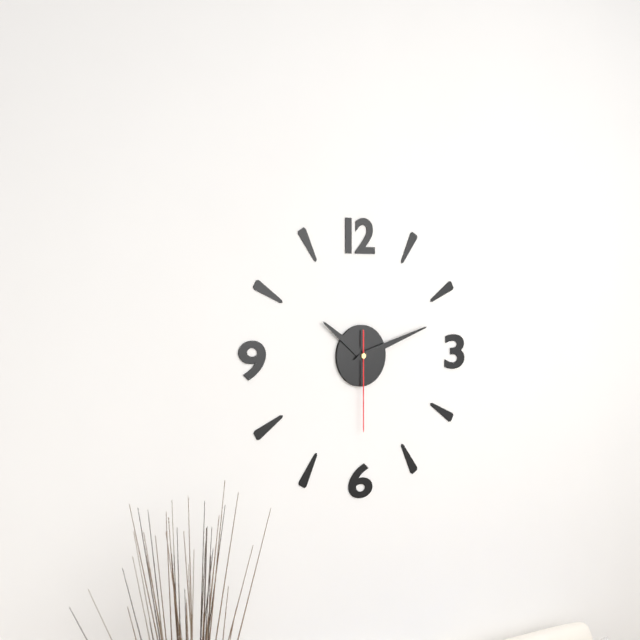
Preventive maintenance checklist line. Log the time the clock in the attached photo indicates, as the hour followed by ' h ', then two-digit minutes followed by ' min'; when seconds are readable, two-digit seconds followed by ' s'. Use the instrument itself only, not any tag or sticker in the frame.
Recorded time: 10 h 12 min 30 s
